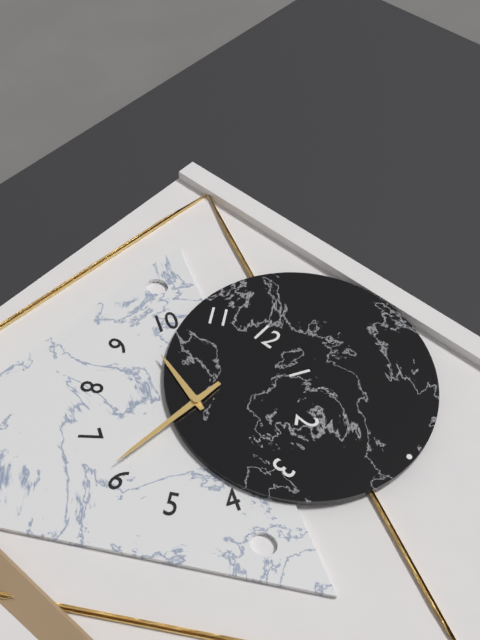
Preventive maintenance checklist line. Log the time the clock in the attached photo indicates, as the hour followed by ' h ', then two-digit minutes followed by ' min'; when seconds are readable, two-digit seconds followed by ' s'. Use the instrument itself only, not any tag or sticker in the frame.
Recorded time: 9 h 31 min
